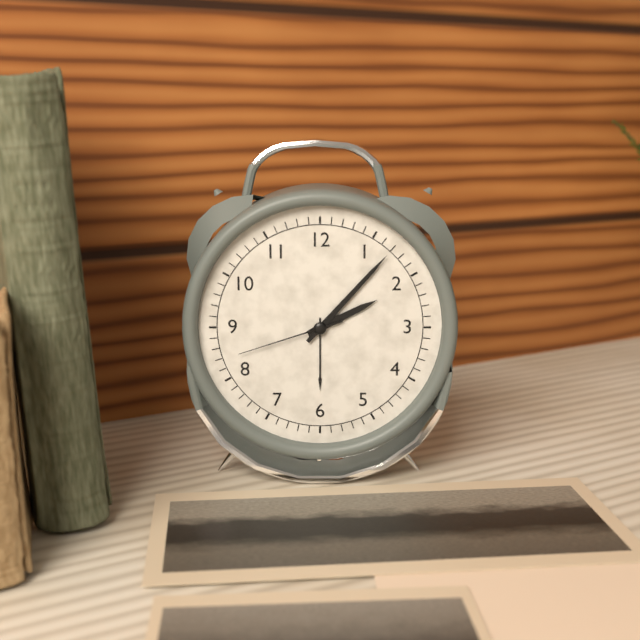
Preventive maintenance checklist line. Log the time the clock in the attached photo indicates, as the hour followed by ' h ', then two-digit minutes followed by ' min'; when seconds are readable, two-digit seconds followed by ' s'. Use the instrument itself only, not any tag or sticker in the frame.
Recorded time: 2 h 07 min 42 s
